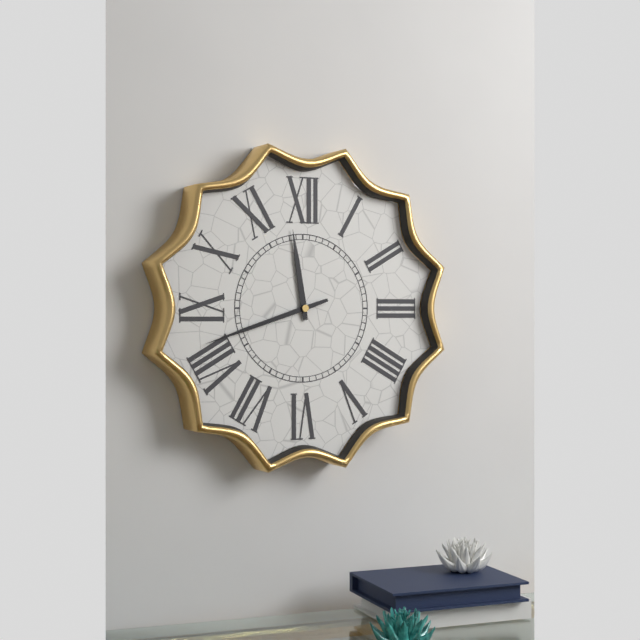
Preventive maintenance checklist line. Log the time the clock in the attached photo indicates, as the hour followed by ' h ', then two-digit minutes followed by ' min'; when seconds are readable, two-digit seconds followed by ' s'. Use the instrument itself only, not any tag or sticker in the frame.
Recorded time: 11 h 42 min
